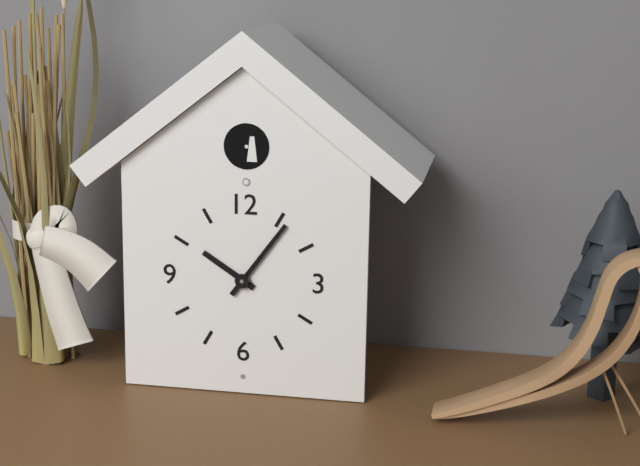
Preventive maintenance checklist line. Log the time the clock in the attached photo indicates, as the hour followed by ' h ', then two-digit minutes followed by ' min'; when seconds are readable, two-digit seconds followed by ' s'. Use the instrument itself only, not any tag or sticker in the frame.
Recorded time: 10 h 06 min
